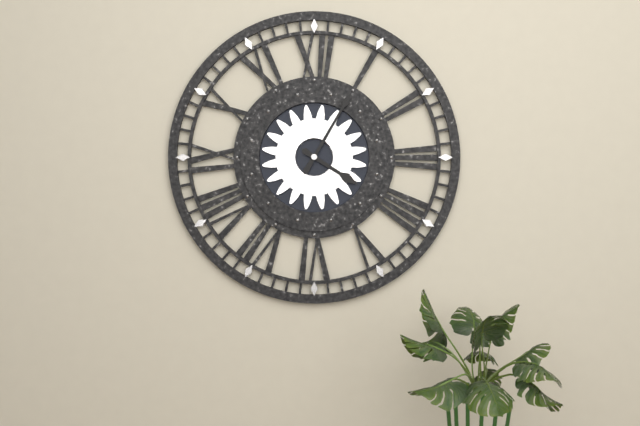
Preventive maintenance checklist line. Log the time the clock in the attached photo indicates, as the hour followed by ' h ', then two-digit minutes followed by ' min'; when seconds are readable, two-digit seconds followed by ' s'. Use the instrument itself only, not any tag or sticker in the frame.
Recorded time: 4 h 05 min
